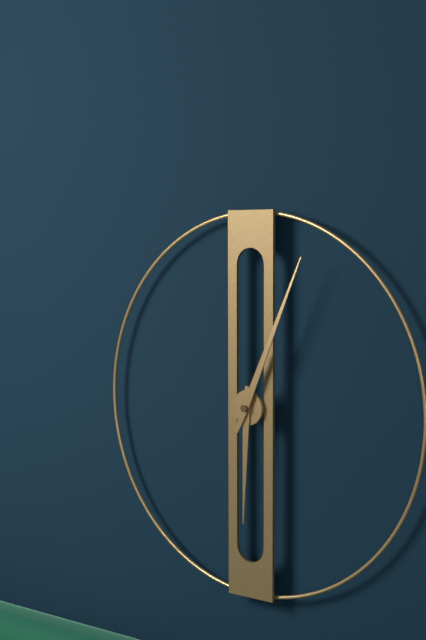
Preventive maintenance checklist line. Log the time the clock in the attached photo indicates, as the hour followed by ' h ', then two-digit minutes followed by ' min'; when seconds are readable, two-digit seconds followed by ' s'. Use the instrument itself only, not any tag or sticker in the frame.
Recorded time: 6 h 04 min
